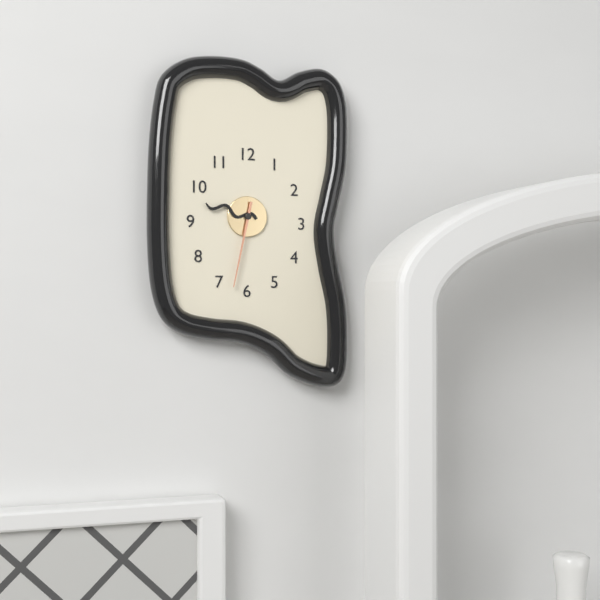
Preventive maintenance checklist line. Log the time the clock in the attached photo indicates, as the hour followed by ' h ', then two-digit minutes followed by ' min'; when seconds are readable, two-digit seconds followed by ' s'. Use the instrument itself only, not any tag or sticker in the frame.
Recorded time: 9 h 32 min
